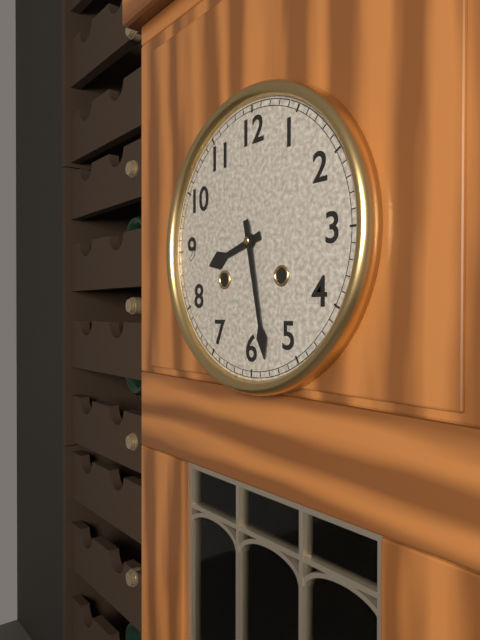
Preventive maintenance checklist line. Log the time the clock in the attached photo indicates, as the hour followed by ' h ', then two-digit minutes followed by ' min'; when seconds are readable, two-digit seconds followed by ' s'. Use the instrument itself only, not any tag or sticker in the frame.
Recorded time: 8 h 28 min
